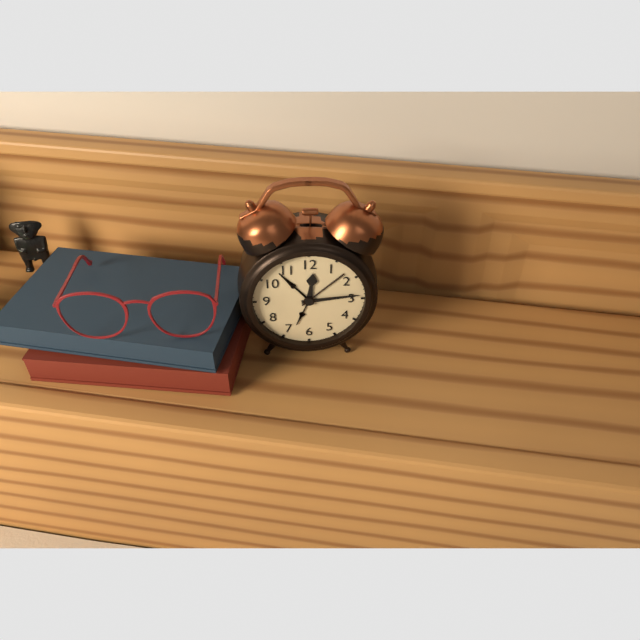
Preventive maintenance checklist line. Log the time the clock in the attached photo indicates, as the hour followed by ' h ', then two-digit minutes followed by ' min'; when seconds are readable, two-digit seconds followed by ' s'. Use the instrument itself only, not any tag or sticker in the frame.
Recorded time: 12 h 14 min
